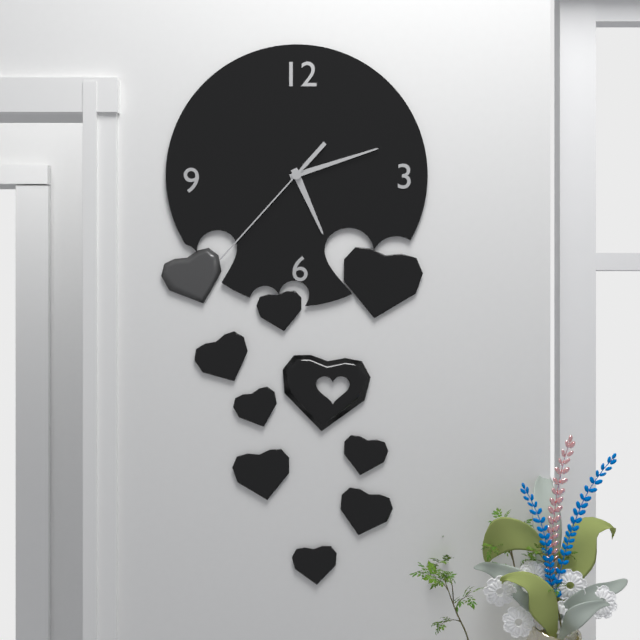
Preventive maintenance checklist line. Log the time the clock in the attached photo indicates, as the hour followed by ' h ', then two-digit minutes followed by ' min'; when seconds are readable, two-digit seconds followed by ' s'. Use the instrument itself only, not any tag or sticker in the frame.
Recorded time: 5 h 12 min 37 s
